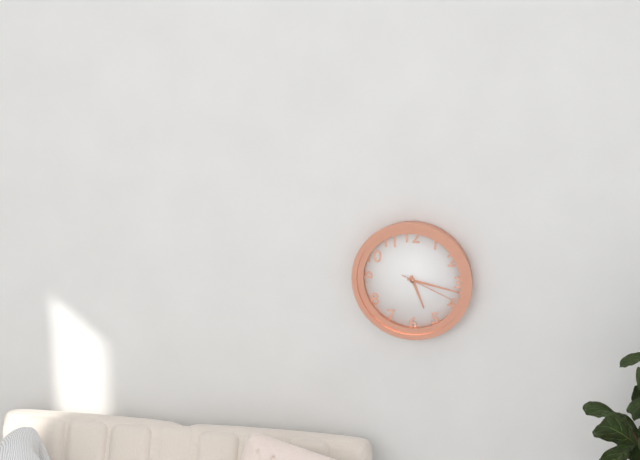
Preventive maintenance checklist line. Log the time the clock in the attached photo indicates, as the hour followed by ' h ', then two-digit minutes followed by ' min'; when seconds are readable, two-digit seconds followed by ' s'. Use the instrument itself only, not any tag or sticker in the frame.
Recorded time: 5 h 17 min 19 s
